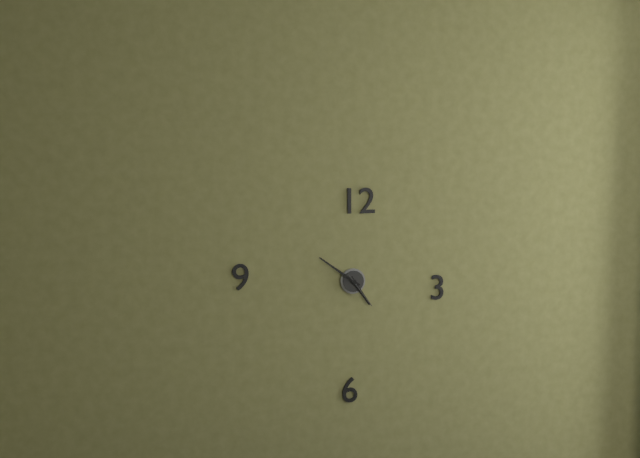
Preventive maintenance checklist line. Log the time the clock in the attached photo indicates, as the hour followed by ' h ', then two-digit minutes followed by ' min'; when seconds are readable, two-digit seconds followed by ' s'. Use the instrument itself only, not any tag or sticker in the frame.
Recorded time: 4 h 51 min
